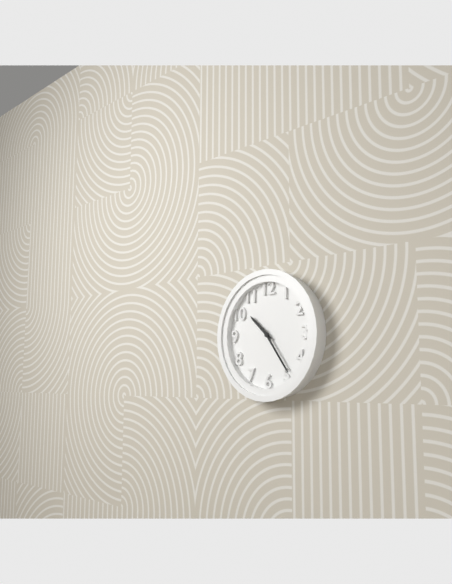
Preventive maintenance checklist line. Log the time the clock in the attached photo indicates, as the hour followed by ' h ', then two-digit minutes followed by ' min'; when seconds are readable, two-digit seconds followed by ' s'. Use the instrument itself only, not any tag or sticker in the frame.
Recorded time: 10 h 24 min
